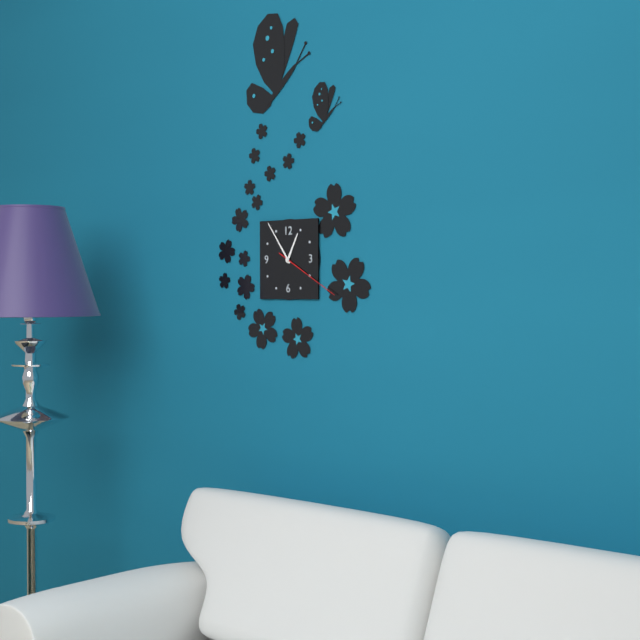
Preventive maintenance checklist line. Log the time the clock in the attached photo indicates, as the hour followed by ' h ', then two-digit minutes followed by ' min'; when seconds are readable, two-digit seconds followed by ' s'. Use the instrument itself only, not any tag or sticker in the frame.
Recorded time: 12 h 54 min 20 s
